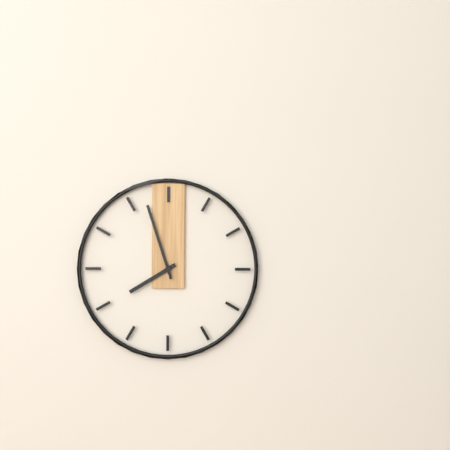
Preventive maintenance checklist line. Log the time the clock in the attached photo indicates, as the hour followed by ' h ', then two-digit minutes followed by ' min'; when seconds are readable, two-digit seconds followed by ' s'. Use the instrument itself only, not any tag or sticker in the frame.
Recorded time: 7 h 57 min
